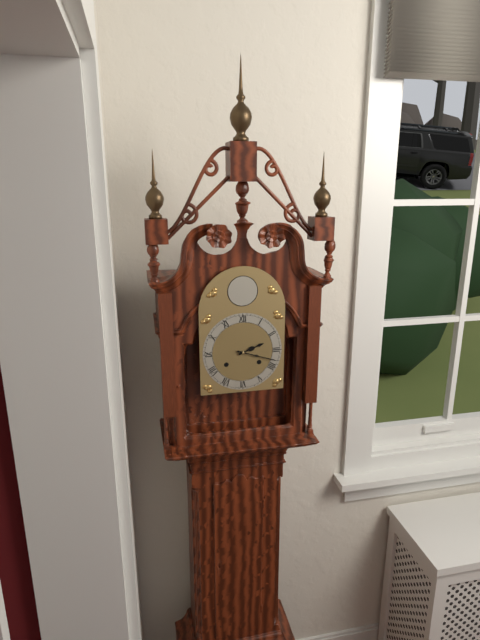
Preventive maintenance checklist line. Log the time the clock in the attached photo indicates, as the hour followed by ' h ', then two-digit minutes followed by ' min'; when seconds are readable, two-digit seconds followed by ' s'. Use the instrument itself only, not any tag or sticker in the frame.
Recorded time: 2 h 18 min
